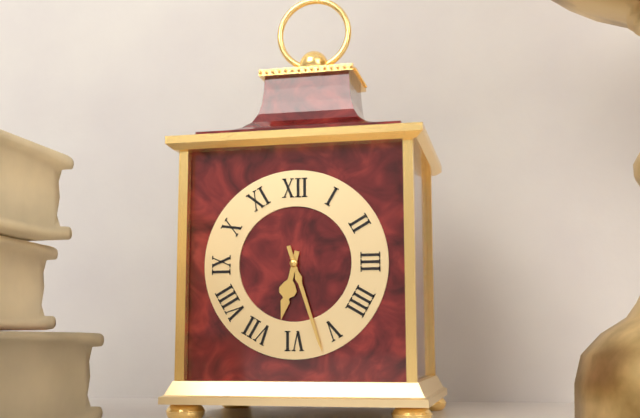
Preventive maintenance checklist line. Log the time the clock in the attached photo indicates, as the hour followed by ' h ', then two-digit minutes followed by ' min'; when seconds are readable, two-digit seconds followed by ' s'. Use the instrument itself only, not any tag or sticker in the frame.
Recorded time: 6 h 27 min
